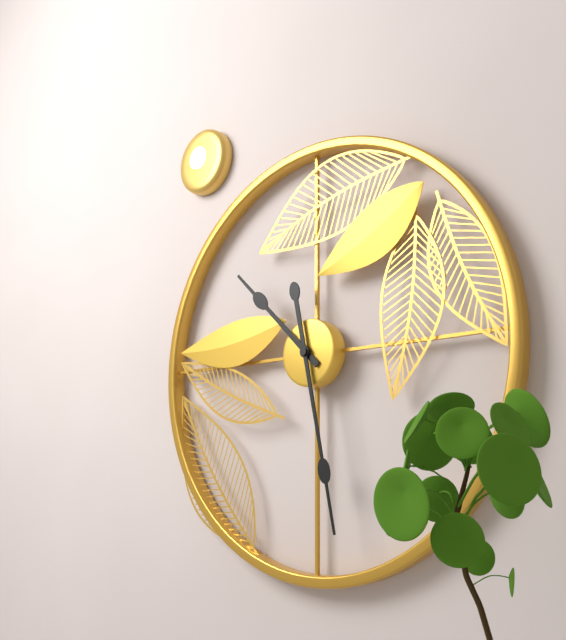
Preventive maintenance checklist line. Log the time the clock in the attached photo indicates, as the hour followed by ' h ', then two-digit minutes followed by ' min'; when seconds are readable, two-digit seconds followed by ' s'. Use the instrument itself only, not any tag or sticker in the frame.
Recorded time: 10 h 28 min
